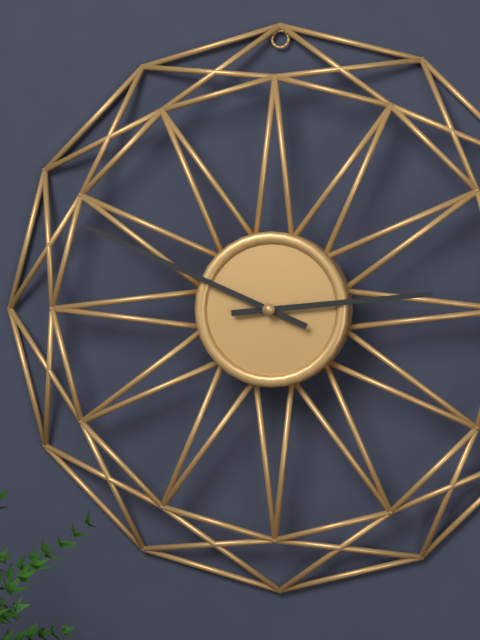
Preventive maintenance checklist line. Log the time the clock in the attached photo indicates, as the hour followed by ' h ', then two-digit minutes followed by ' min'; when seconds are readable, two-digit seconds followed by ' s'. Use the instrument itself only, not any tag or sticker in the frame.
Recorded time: 2 h 49 min
